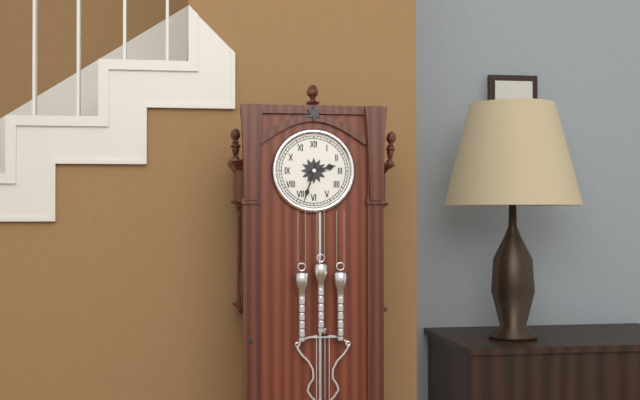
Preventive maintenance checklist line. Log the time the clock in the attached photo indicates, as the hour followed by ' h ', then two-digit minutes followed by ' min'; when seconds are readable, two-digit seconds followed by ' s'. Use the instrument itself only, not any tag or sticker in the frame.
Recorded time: 2 h 33 min
